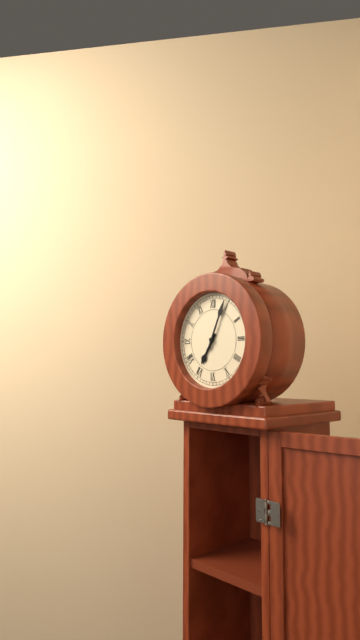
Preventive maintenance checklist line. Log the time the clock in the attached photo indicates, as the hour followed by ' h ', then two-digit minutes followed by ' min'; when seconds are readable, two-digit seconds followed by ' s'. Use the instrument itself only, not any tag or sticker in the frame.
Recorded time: 7 h 04 min
